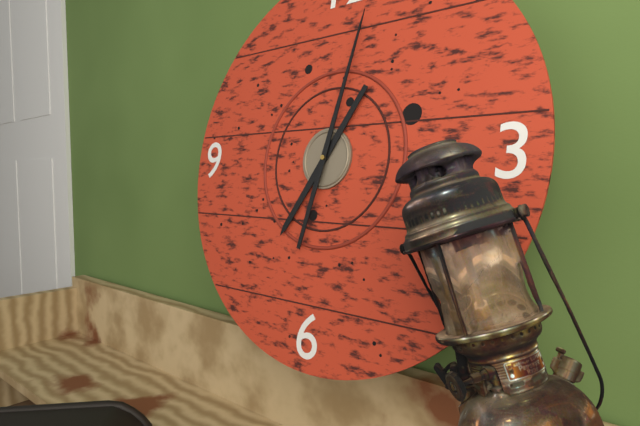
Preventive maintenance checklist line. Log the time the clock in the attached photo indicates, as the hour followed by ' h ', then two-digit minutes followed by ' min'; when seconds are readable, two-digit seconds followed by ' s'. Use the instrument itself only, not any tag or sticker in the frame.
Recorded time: 7 h 02 min
